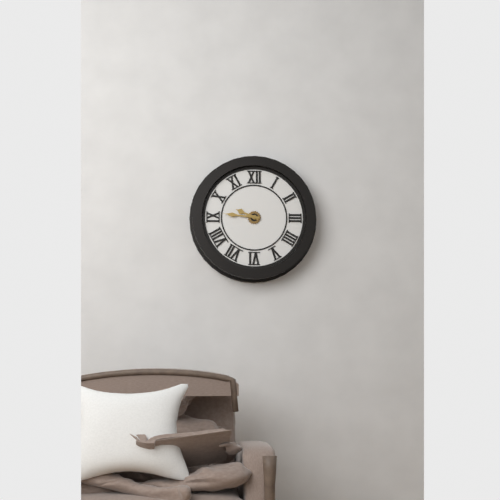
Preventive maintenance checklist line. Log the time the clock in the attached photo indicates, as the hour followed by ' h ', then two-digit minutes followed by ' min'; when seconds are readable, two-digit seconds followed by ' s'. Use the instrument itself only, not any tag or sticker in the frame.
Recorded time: 9 h 46 min
